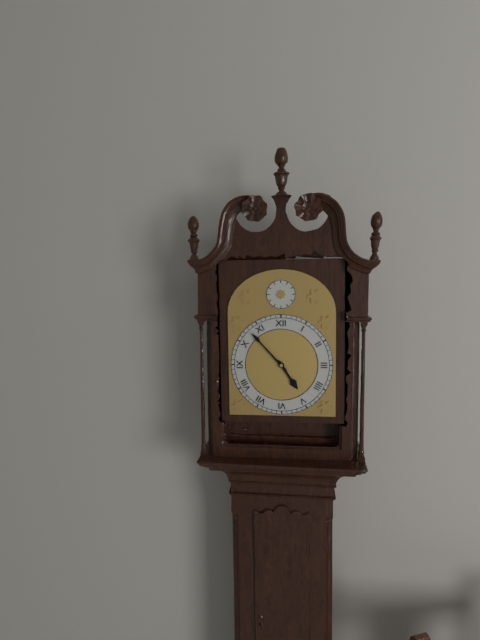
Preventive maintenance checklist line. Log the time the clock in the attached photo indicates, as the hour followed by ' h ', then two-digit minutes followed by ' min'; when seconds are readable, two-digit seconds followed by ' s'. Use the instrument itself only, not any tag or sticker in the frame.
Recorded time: 4 h 53 min
